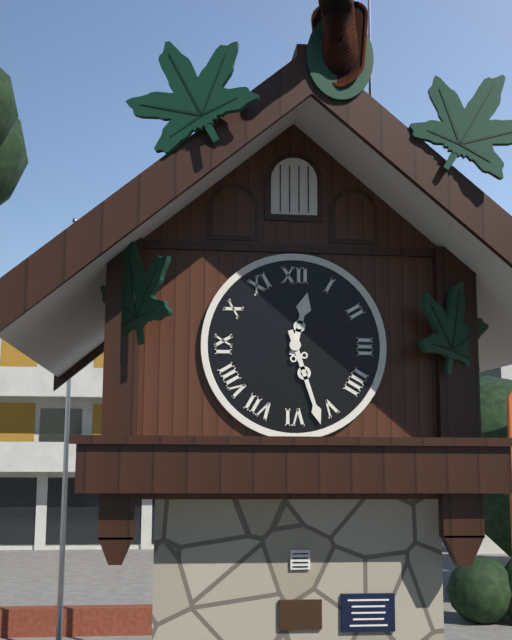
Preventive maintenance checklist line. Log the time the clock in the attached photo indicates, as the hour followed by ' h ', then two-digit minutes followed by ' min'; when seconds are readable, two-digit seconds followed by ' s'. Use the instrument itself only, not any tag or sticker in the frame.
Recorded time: 12 h 27 min
